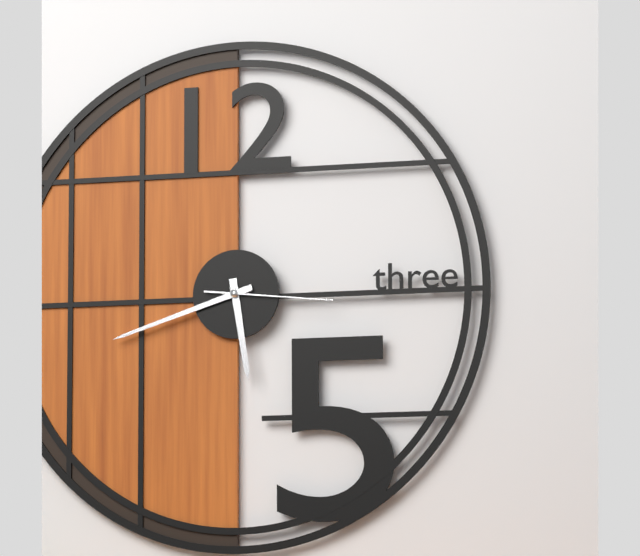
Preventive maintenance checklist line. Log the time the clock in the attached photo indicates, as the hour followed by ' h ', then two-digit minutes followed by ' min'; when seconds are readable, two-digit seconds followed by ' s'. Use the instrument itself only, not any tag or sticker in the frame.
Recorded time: 5 h 42 min 16 s
